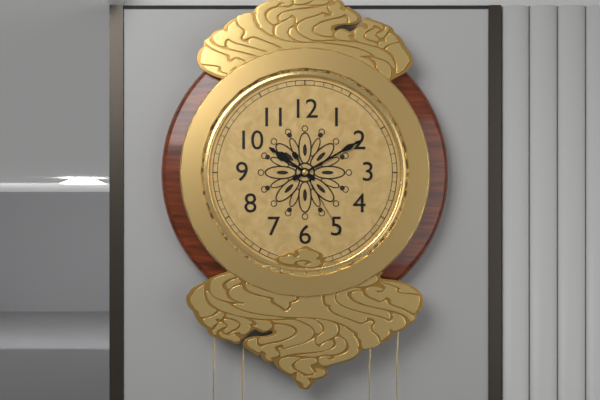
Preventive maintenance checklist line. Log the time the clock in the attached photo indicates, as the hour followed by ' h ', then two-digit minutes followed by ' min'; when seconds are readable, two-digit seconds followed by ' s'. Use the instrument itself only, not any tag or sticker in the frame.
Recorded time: 10 h 10 min 25 s
